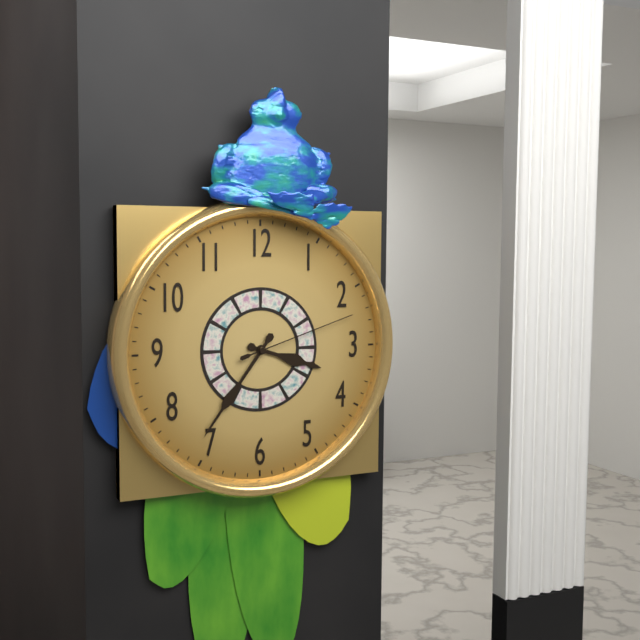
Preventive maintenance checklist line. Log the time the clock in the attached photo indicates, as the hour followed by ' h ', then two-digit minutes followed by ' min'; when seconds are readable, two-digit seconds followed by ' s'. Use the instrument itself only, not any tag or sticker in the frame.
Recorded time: 3 h 36 min 12 s
